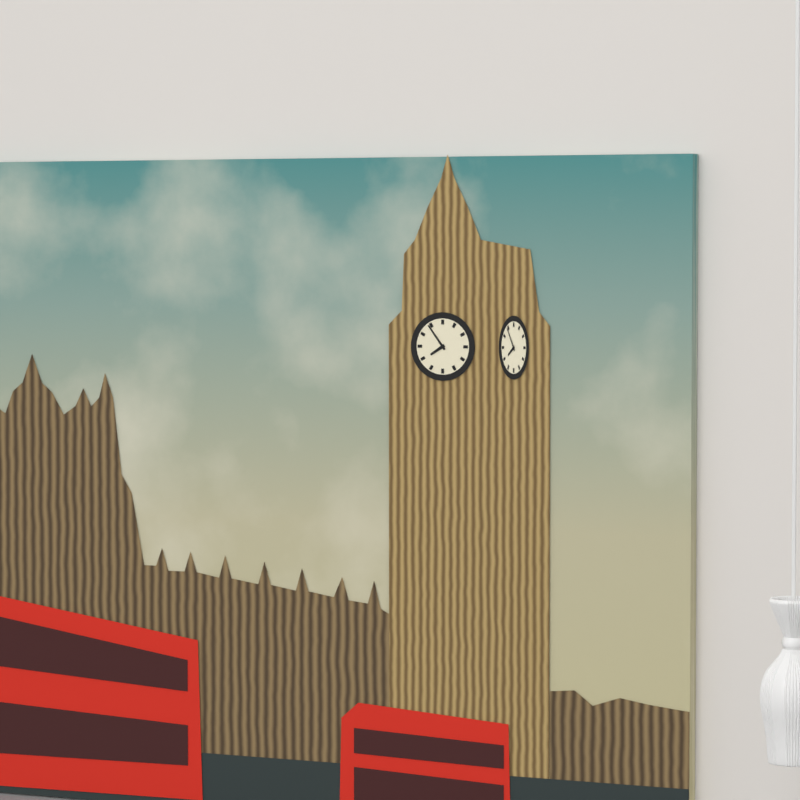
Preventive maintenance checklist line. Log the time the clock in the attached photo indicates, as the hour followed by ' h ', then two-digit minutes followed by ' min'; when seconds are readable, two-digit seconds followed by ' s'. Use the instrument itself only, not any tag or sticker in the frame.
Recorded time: 7 h 54 min
